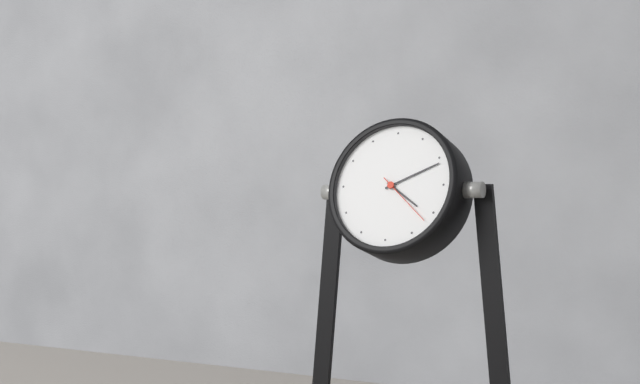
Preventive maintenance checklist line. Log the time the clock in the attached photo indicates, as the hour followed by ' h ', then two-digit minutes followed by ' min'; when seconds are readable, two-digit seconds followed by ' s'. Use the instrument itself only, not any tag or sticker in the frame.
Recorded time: 4 h 11 min 22 s
